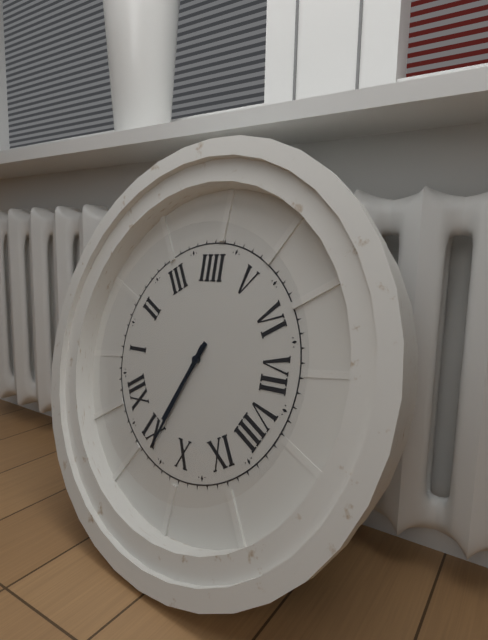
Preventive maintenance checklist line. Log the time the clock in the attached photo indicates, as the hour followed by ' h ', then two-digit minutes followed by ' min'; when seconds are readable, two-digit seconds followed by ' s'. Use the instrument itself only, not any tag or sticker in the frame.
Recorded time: 10 h 54 min
